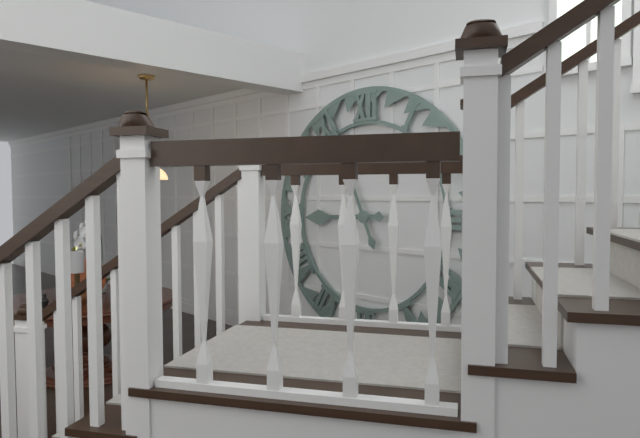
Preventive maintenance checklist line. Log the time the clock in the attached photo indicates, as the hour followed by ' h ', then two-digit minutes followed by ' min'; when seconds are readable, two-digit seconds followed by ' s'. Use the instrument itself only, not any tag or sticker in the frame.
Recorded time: 8 h 56 min
